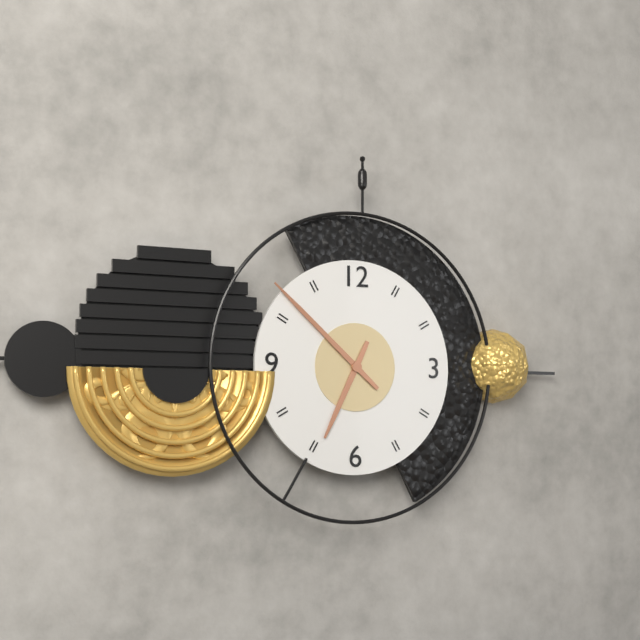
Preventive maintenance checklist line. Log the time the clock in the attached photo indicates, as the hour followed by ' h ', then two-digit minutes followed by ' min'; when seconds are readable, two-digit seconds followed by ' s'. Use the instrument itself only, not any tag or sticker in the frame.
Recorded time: 6 h 52 min
